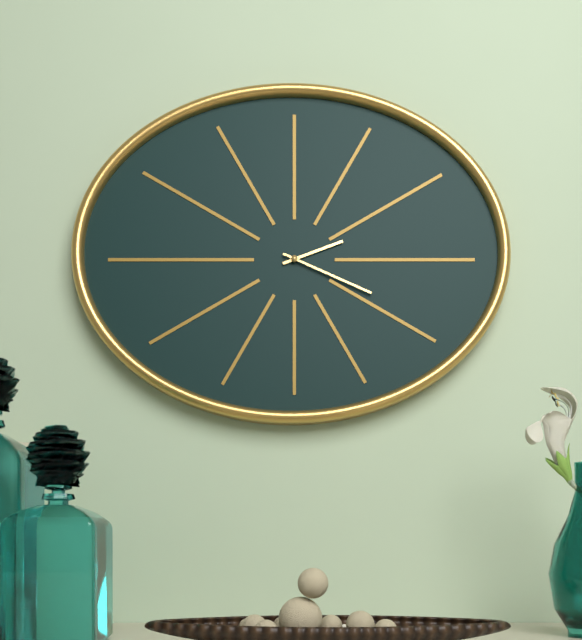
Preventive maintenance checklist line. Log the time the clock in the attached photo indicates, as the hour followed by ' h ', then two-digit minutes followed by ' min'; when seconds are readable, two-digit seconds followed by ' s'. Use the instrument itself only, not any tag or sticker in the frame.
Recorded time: 2 h 19 min
